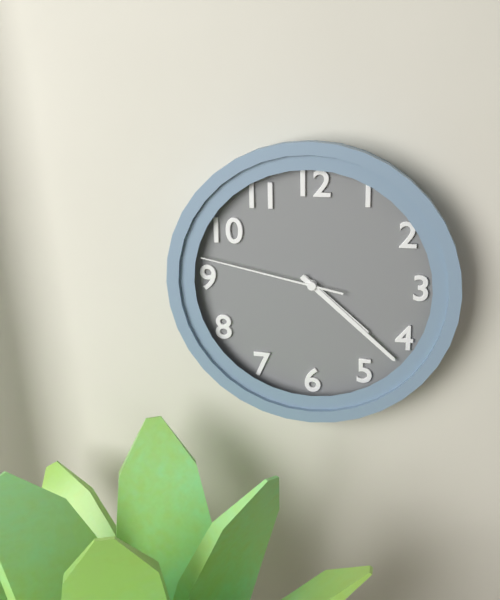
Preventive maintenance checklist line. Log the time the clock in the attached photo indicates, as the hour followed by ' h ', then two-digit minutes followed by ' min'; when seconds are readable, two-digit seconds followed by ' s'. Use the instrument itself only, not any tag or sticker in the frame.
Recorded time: 4 h 22 min 47 s
